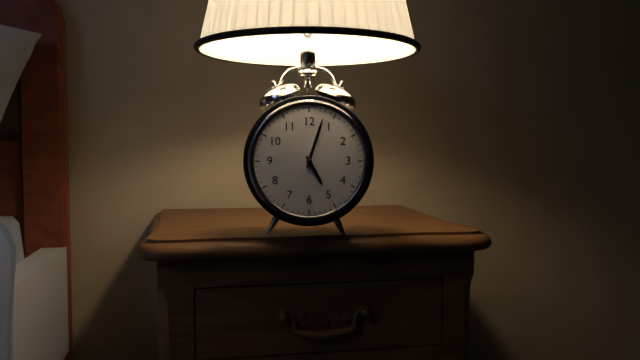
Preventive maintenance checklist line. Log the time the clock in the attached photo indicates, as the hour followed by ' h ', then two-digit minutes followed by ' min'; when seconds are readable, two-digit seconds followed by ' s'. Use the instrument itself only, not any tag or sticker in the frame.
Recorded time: 5 h 03 min
